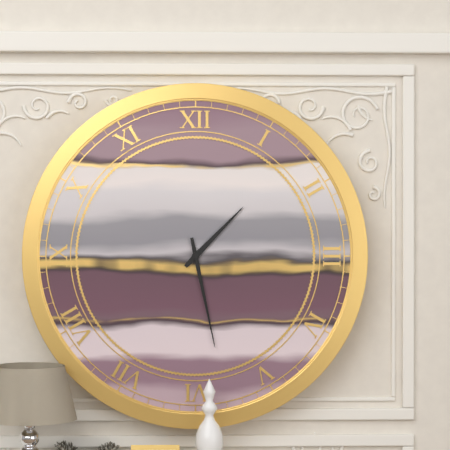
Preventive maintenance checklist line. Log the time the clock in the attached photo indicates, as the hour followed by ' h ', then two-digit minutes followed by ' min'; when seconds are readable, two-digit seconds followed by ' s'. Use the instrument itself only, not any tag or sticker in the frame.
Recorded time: 1 h 28 min
